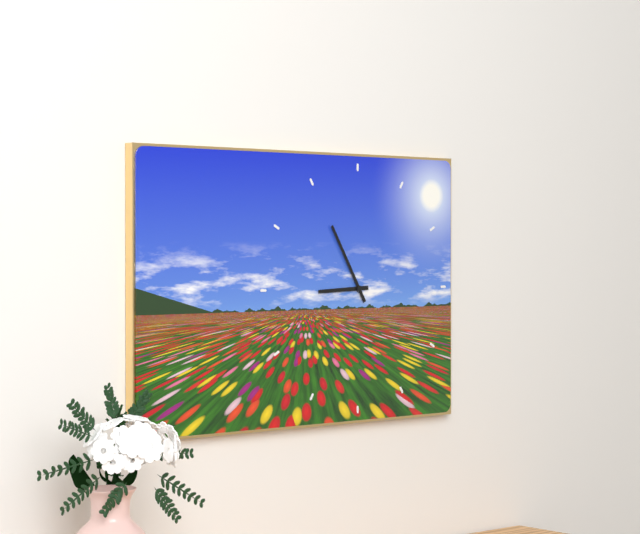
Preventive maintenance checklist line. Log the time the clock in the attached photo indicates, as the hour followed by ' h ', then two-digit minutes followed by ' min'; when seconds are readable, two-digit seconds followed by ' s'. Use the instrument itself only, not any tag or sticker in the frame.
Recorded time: 8 h 55 min
